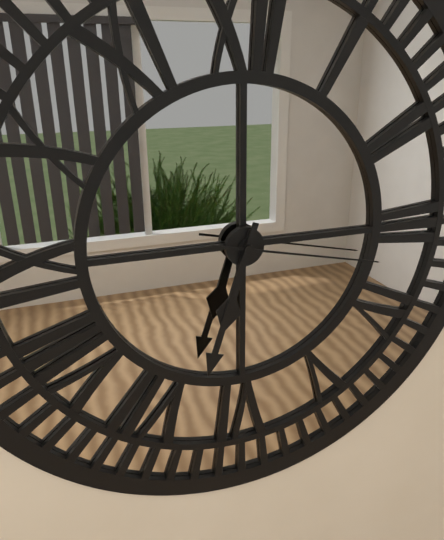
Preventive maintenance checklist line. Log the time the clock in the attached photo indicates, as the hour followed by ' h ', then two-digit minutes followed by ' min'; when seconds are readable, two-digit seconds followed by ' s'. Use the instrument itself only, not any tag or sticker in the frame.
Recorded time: 6 h 33 min 17 s
